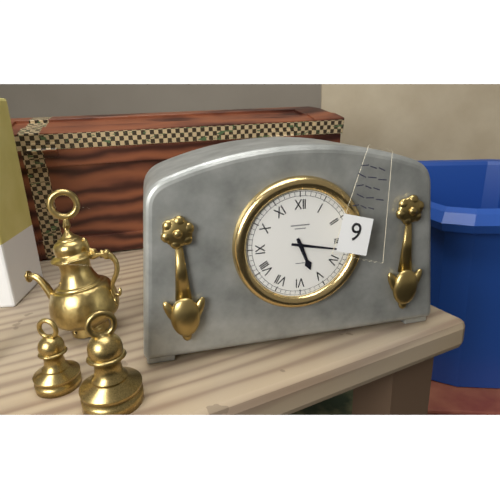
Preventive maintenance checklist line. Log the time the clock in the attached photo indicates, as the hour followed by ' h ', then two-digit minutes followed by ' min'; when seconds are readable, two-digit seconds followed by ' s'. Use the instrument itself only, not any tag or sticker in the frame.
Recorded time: 5 h 17 min
